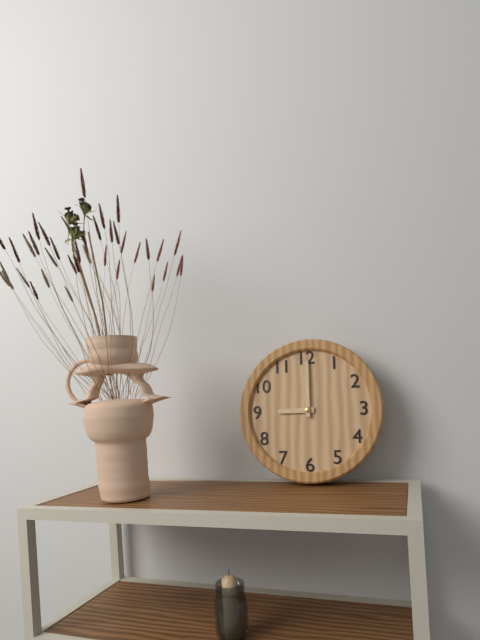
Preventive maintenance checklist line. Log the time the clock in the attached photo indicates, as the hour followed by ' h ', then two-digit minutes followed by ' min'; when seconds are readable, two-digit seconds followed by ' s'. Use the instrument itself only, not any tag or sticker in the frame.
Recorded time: 9 h 00 min
